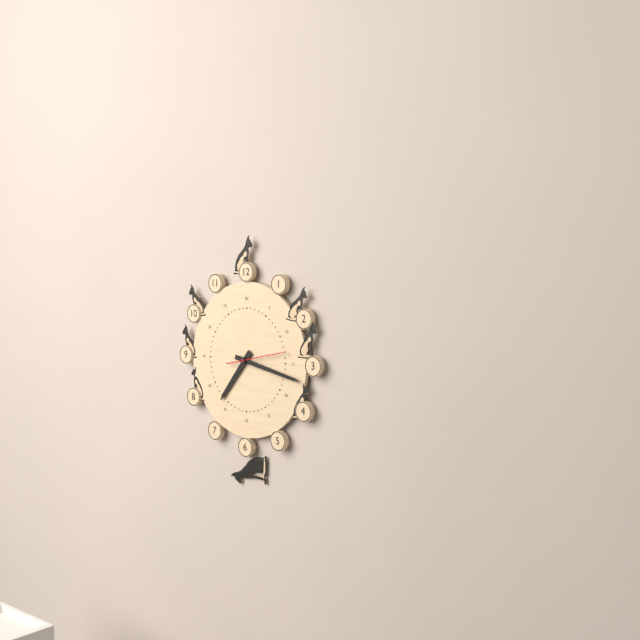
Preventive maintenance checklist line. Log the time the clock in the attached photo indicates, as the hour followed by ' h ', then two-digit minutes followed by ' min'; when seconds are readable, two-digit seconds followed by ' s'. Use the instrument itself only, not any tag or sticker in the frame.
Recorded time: 7 h 17 min 13 s
